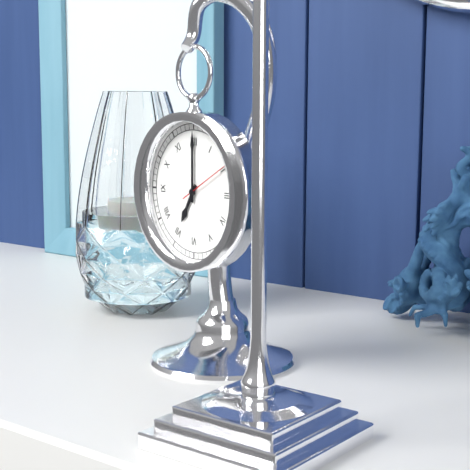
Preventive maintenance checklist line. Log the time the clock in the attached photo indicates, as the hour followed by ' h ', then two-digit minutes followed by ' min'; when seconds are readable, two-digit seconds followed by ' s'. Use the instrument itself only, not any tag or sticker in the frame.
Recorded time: 7 h 00 min 10 s
